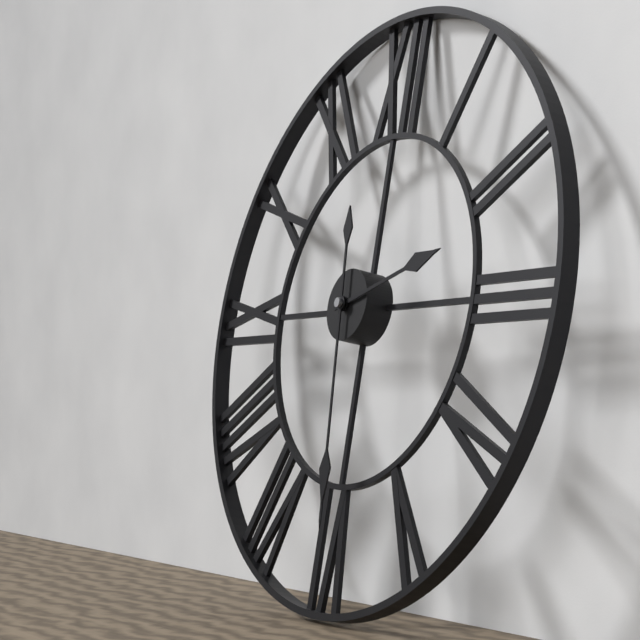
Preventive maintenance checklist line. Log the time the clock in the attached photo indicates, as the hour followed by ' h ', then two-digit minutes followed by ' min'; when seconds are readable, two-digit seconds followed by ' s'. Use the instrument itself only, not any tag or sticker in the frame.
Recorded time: 2 h 29 min
